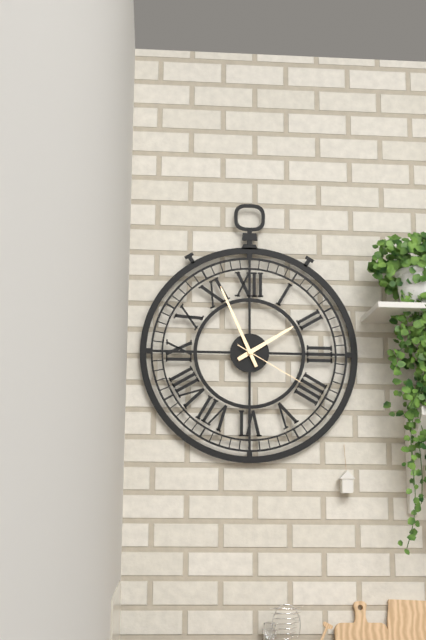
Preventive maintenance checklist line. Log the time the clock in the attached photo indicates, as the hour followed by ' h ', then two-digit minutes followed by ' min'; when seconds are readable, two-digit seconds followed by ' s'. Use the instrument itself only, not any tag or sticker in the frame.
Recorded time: 1 h 56 min 20 s
